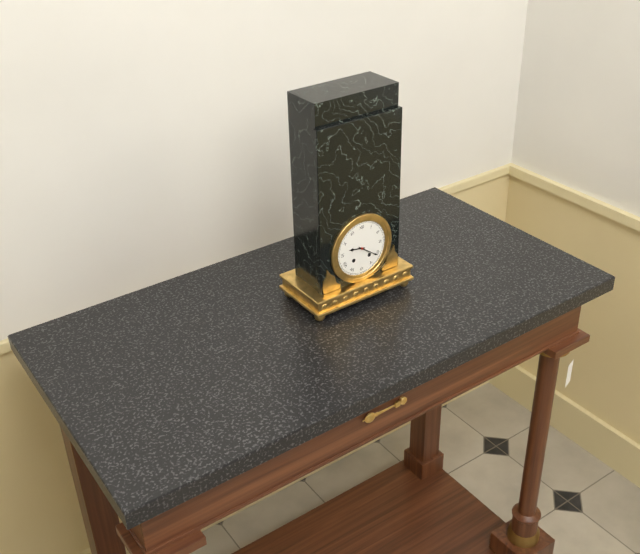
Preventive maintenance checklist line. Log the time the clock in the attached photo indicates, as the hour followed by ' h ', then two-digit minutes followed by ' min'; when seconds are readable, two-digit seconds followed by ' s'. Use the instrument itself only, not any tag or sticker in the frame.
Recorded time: 9 h 21 min
